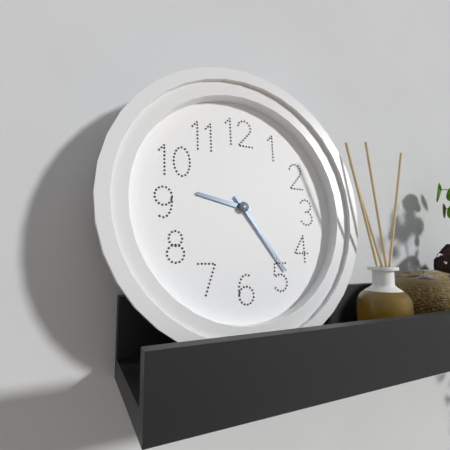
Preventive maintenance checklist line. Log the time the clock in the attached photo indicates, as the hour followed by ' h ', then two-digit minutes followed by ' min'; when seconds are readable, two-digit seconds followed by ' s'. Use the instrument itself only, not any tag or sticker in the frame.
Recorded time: 9 h 24 min
